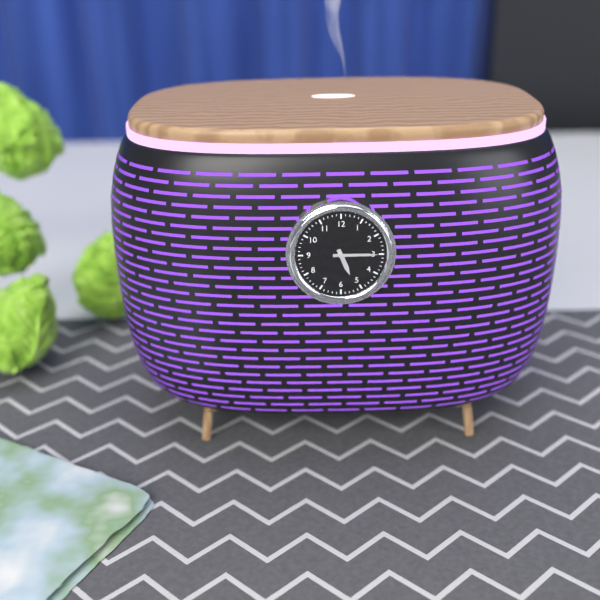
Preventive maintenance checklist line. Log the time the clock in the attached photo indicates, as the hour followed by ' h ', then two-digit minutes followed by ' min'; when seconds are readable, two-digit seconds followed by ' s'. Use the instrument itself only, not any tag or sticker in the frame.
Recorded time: 5 h 15 min
